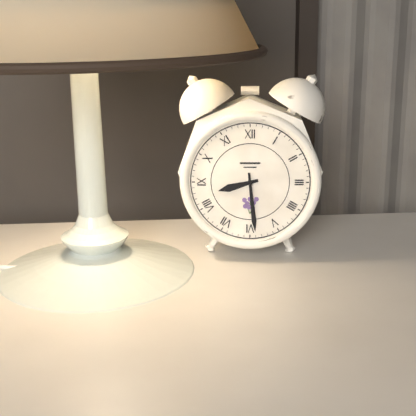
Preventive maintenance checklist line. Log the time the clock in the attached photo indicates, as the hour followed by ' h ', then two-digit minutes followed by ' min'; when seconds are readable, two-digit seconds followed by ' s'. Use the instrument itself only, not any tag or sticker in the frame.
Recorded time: 8 h 29 min
